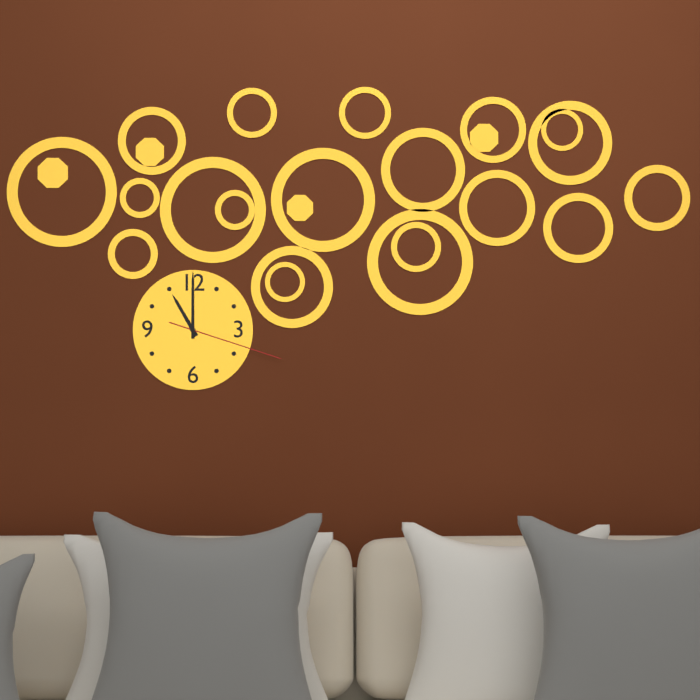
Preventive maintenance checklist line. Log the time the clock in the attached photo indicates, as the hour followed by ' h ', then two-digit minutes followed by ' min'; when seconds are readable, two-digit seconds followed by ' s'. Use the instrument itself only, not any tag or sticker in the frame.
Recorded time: 11 h 00 min 18 s
